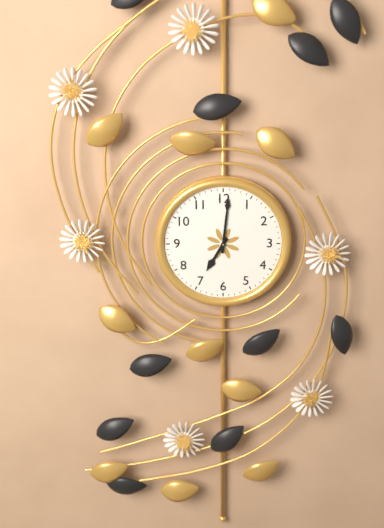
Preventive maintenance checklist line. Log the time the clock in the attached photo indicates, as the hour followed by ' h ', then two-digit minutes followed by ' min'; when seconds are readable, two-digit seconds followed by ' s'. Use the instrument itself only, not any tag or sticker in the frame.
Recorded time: 7 h 01 min
